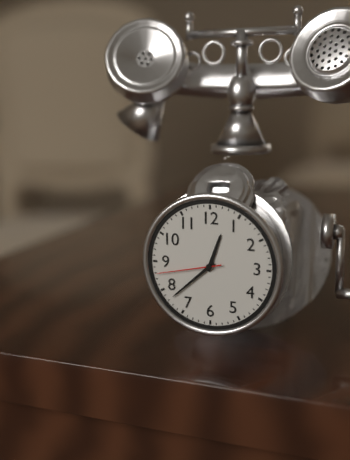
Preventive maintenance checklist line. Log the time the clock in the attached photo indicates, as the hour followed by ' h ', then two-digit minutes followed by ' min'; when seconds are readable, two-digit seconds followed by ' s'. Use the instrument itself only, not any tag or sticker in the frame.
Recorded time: 12 h 38 min 43 s
